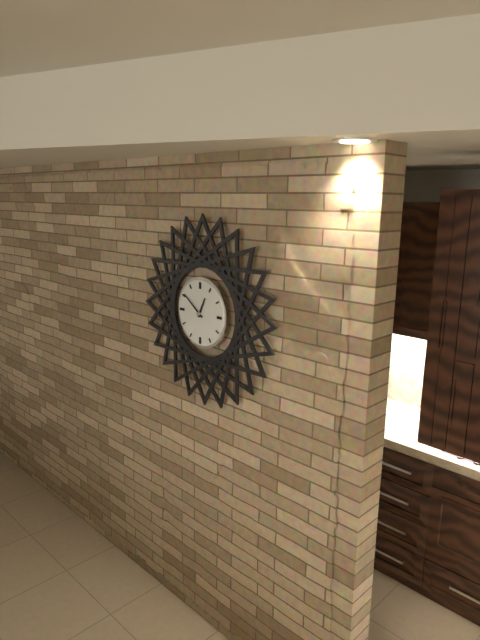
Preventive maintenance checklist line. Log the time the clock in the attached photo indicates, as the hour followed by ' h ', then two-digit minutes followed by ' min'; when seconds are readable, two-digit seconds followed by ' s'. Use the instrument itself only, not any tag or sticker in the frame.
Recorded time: 12 h 51 min
